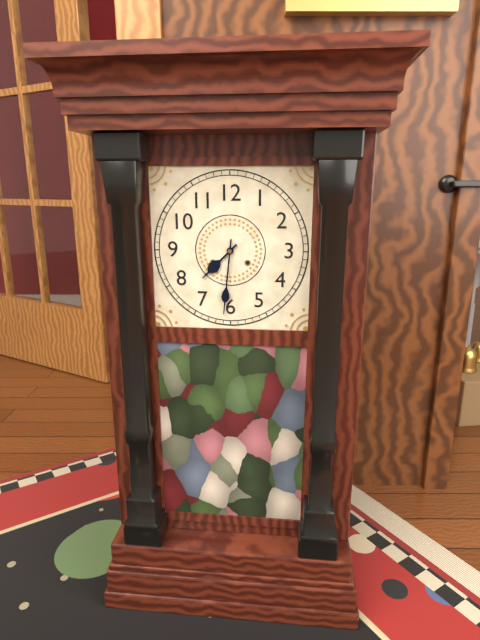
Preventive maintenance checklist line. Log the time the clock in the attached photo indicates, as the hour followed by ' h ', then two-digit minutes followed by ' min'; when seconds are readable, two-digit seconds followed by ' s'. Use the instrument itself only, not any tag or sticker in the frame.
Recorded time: 7 h 31 min
